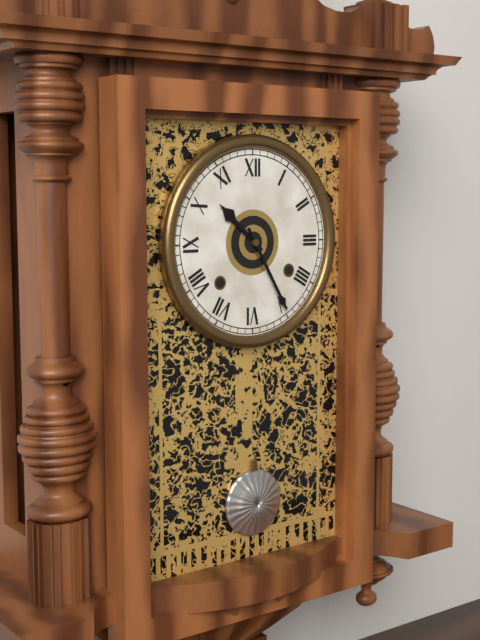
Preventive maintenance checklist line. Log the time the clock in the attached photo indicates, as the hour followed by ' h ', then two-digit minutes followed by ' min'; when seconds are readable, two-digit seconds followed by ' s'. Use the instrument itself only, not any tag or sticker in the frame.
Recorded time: 10 h 25 min
